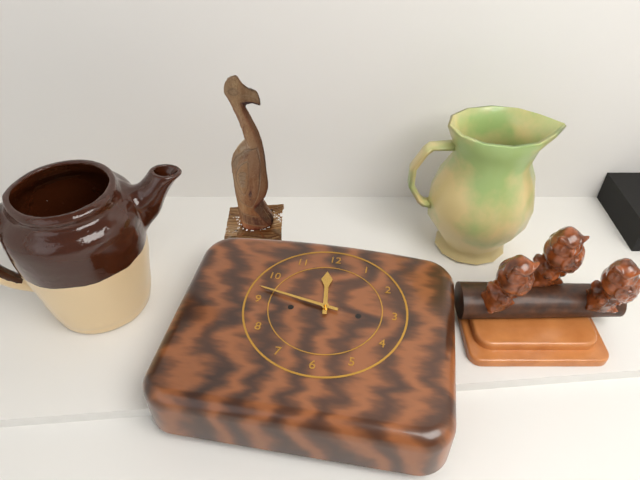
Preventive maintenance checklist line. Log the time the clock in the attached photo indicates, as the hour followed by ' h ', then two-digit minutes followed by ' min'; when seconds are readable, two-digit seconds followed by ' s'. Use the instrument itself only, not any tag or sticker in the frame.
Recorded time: 11 h 47 min
